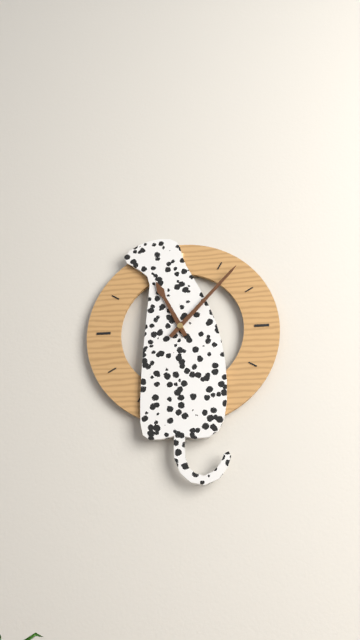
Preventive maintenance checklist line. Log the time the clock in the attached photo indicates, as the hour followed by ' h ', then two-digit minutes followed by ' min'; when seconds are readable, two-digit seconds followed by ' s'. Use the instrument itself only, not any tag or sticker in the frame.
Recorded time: 11 h 07 min
